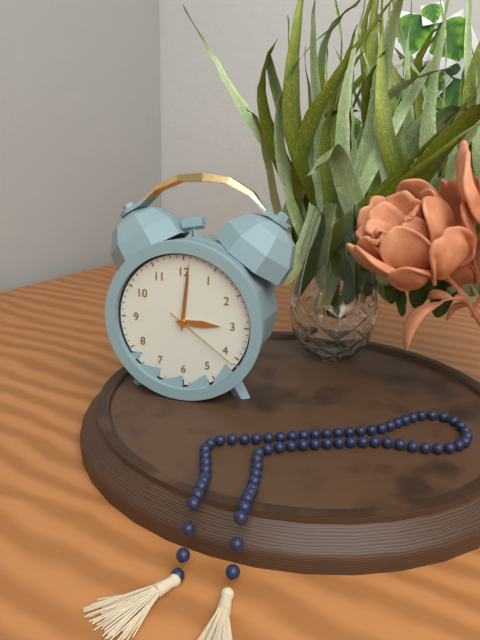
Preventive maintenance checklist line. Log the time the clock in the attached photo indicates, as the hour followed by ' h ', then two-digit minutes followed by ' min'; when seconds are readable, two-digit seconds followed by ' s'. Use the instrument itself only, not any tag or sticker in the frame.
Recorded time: 3 h 01 min 21 s
